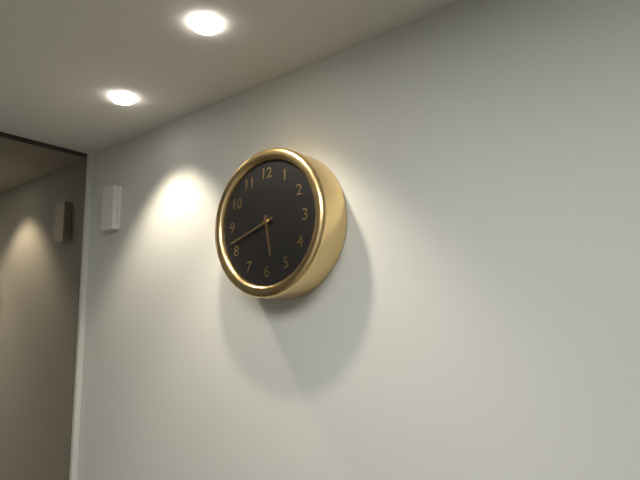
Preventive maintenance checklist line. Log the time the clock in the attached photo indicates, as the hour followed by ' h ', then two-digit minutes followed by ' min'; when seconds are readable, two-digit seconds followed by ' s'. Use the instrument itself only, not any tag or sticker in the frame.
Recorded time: 5 h 42 min
